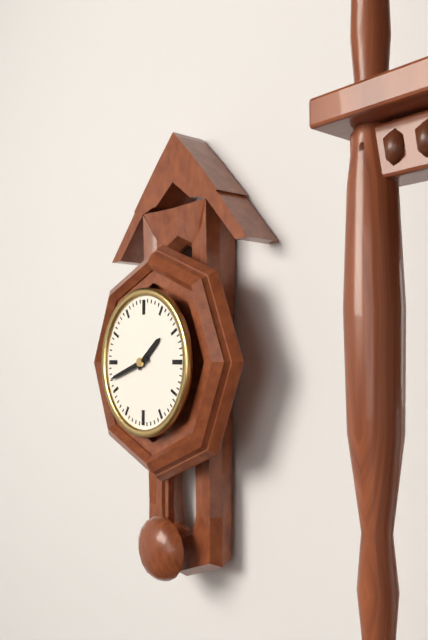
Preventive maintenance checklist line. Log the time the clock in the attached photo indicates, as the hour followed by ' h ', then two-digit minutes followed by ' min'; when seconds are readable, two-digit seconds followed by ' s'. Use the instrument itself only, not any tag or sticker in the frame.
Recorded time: 1 h 42 min
